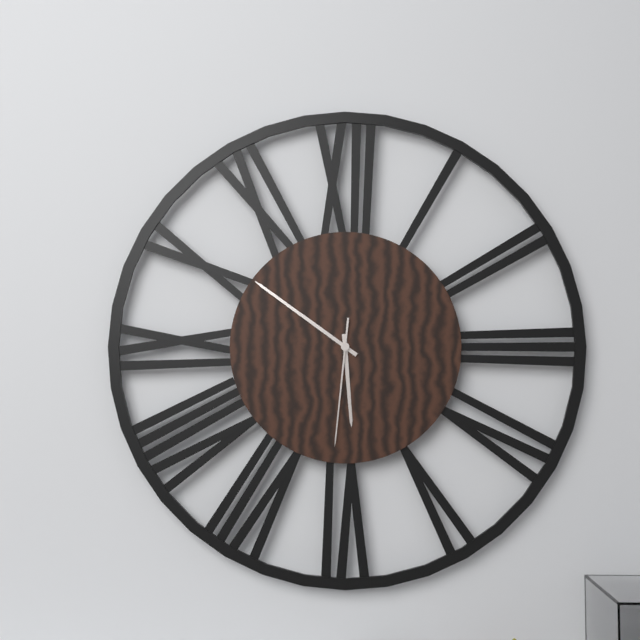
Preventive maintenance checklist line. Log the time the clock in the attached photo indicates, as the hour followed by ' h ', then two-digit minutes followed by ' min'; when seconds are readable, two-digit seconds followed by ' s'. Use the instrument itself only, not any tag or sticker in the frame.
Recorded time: 5 h 51 min 31 s
